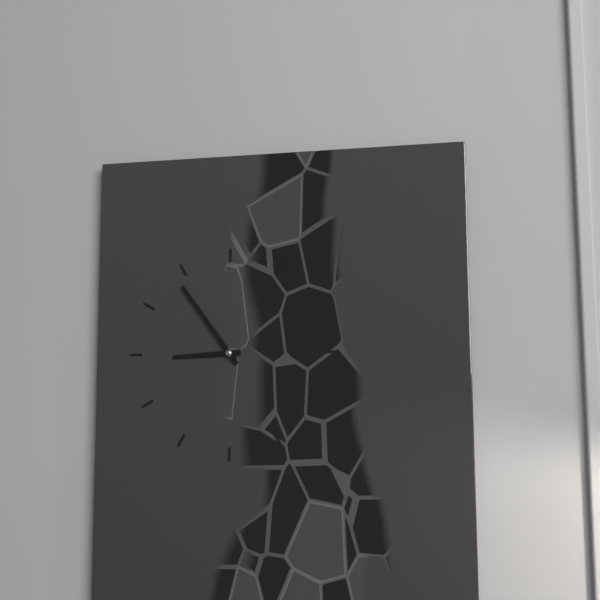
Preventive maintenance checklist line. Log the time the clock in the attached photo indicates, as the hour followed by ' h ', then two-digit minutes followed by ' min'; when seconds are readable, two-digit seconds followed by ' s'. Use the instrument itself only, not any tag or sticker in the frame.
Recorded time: 8 h 54 min
